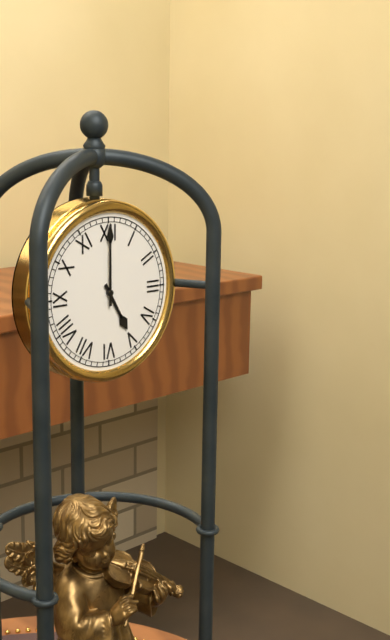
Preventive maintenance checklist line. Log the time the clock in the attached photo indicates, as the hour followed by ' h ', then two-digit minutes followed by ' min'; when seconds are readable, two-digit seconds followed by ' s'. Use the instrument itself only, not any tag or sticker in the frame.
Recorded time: 5 h 00 min
